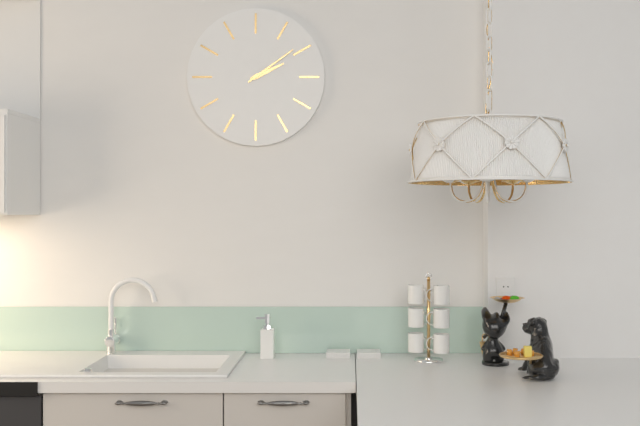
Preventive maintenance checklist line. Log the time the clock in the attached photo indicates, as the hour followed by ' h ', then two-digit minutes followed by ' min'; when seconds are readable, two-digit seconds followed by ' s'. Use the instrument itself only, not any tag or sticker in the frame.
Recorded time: 2 h 09 min
